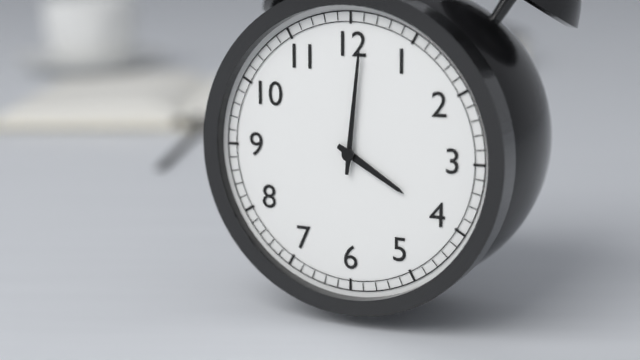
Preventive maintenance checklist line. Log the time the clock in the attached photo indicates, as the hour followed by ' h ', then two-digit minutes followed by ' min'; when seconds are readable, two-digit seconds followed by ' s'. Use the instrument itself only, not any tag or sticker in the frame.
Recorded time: 4 h 01 min
